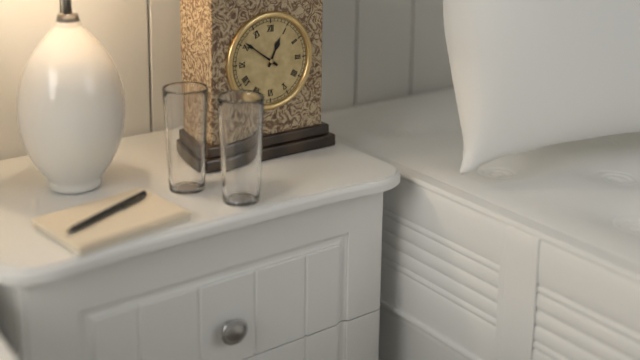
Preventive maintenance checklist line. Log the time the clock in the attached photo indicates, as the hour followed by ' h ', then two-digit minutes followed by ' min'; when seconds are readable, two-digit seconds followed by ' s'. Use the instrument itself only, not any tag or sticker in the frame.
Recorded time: 12 h 51 min
